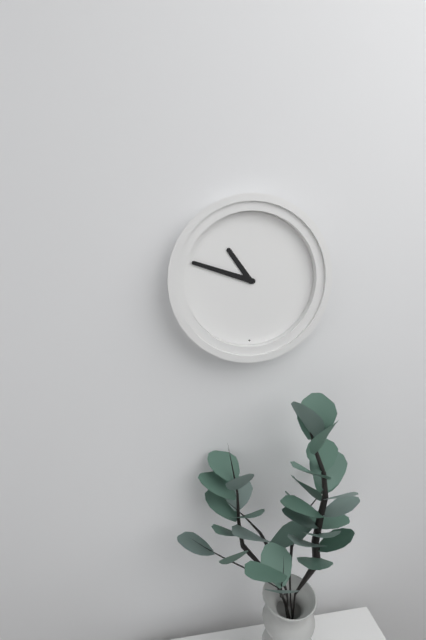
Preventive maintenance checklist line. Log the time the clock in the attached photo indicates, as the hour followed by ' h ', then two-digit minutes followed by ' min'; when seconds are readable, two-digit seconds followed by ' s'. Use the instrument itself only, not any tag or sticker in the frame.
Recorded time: 10 h 48 min
